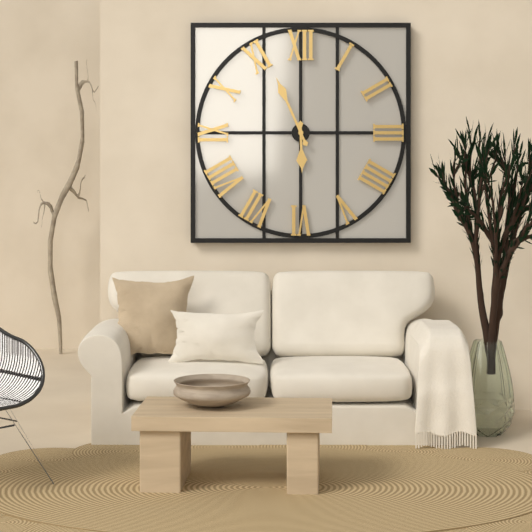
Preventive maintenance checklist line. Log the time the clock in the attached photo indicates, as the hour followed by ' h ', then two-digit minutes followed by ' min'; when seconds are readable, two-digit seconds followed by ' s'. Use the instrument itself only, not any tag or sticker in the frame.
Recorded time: 5 h 56 min
